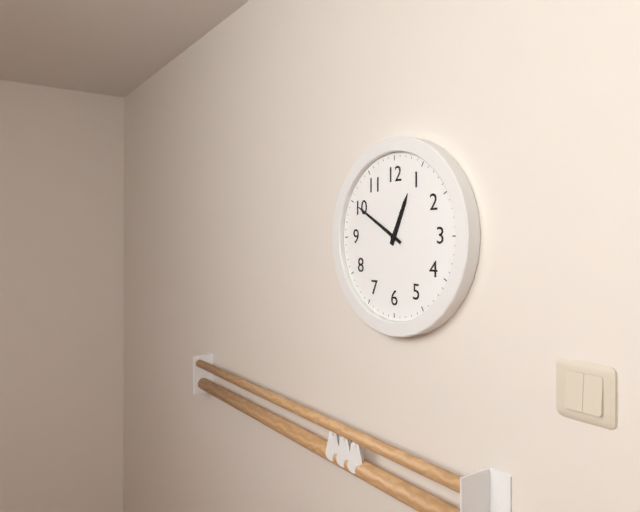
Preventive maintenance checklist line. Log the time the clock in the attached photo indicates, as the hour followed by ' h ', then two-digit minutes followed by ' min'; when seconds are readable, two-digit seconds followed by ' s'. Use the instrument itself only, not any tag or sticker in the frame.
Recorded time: 12 h 50 min
